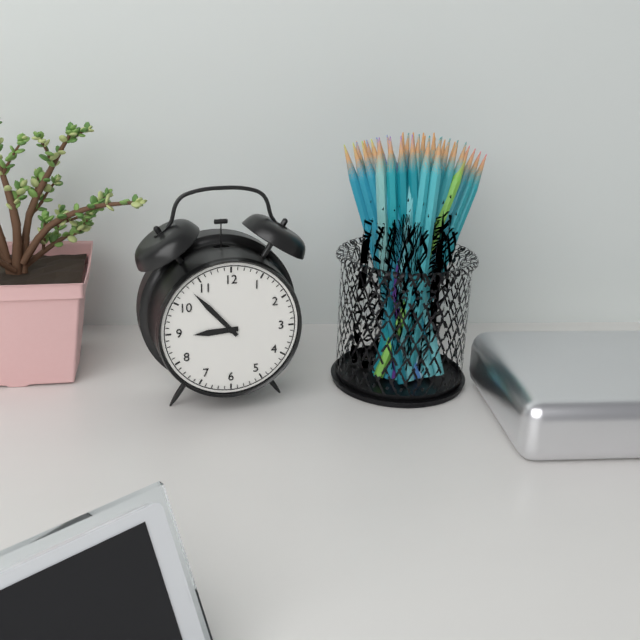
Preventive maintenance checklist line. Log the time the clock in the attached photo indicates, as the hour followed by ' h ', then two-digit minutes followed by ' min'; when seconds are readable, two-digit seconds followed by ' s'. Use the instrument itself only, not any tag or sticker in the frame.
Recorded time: 8 h 53 min
